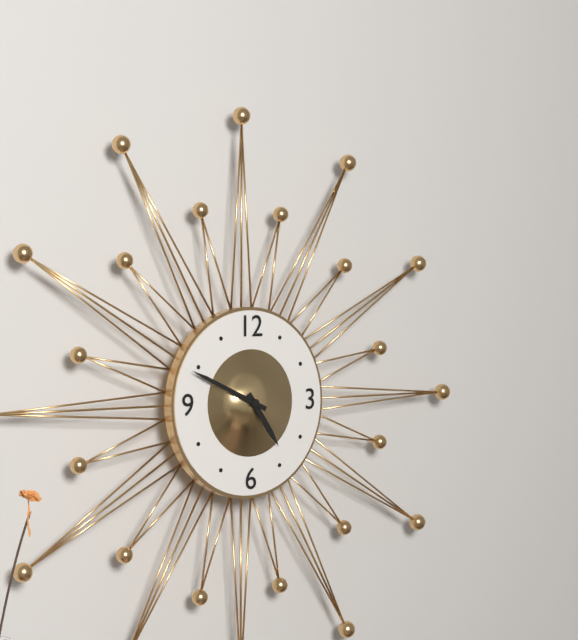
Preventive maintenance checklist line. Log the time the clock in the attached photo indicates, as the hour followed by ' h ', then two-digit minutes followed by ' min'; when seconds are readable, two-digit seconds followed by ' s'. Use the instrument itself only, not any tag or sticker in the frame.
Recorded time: 4 h 49 min
